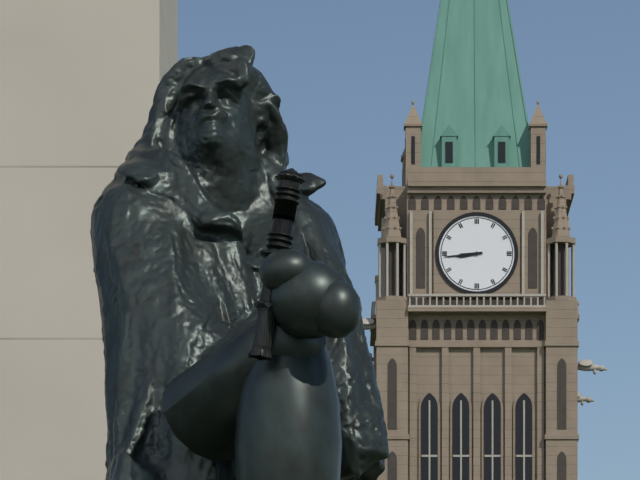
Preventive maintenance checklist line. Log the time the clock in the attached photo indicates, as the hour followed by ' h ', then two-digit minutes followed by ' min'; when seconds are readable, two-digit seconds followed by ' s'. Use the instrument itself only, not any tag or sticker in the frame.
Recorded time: 8 h 44 min
